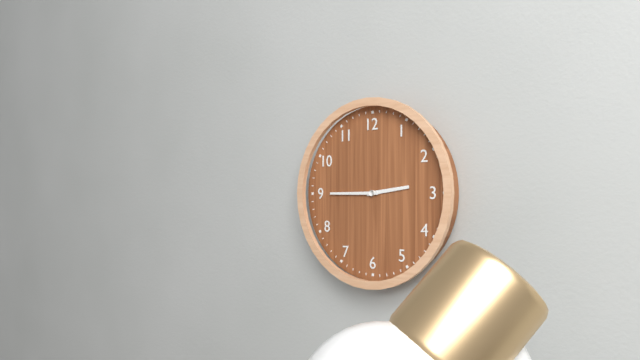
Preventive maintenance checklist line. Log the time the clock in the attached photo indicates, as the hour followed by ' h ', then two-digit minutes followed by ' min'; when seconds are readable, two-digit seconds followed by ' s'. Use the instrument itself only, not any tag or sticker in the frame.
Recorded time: 2 h 45 min
